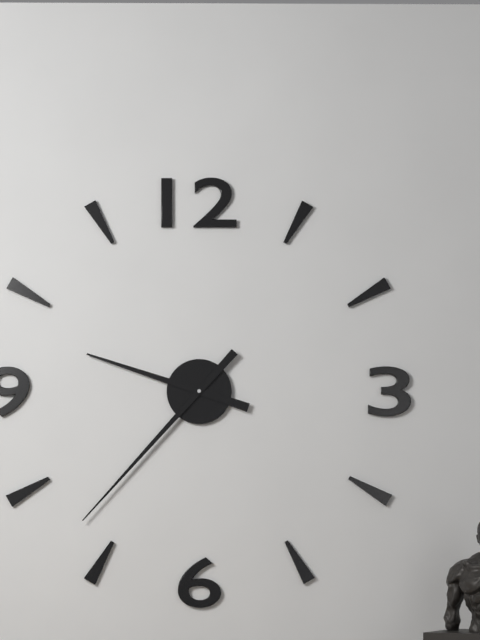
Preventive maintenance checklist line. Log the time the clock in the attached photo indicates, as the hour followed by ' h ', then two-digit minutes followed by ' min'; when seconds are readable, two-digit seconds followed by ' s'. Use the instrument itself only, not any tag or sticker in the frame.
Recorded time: 9 h 37 min
